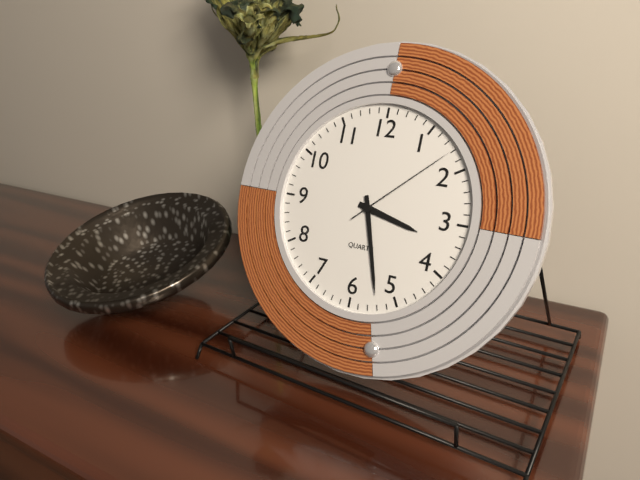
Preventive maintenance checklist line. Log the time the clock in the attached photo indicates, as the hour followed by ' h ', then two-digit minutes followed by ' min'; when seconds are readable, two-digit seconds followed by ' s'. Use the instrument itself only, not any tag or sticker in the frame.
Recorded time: 3 h 27 min 08 s
